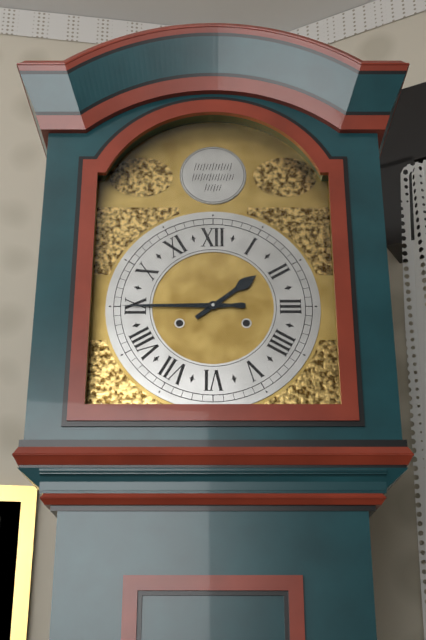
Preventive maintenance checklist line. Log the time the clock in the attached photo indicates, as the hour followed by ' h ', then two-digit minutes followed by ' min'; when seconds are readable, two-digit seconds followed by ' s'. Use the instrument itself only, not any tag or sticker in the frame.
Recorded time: 1 h 45 min
